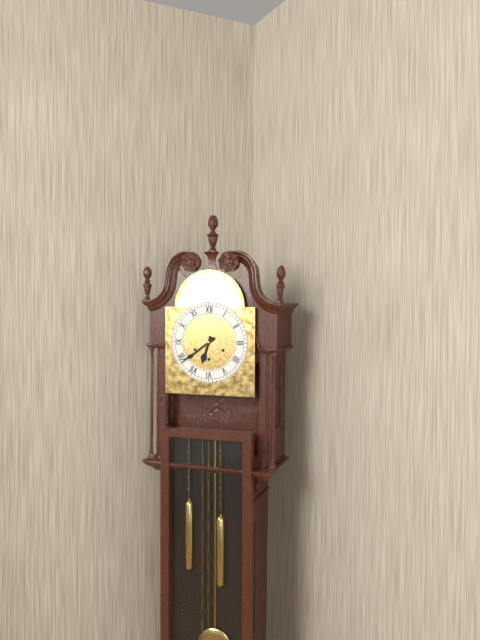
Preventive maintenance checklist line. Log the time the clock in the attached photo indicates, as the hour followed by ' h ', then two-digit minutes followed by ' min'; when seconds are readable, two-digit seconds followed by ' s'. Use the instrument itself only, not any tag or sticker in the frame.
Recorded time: 6 h 39 min
